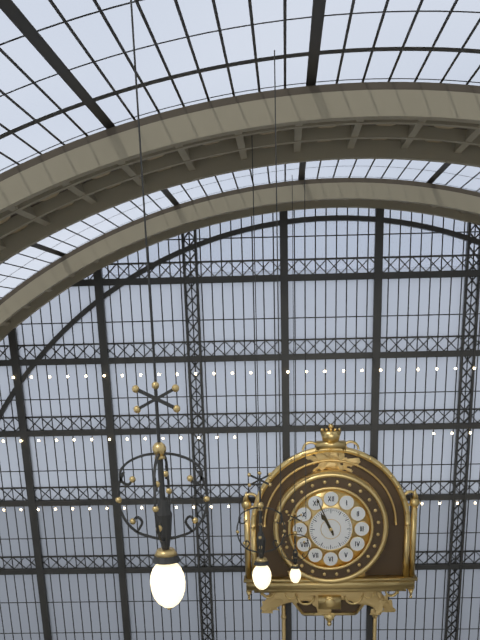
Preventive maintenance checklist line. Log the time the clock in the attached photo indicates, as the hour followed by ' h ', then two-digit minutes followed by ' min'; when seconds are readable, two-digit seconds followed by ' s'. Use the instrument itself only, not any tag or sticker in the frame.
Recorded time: 10 h 56 min
